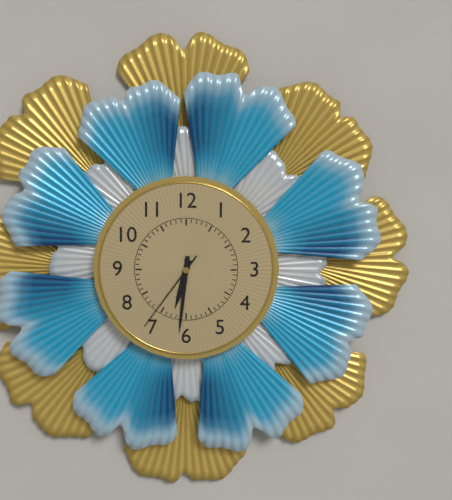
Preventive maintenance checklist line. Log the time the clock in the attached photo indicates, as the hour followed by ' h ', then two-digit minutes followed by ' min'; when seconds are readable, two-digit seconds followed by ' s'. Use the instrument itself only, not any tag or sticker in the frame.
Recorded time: 6 h 31 min 36 s
